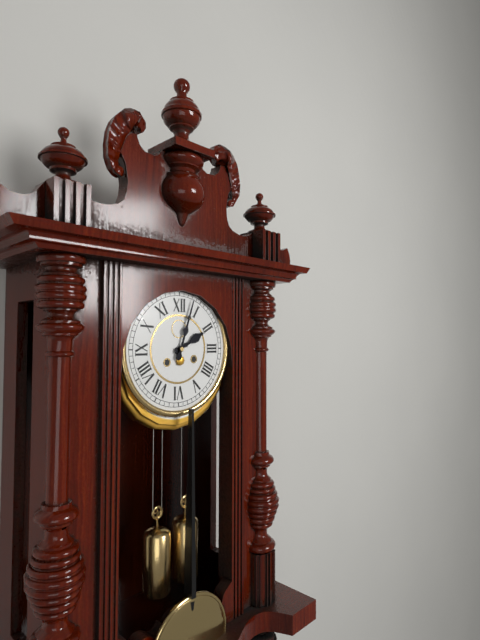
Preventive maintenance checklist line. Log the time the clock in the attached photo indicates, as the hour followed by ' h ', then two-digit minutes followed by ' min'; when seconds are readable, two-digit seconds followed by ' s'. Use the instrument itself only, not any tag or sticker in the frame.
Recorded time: 2 h 03 min
